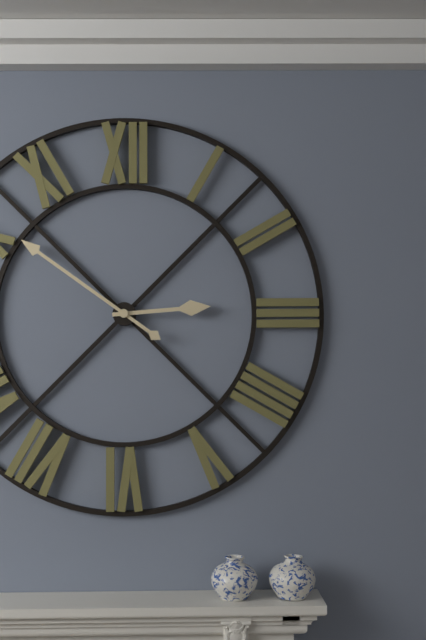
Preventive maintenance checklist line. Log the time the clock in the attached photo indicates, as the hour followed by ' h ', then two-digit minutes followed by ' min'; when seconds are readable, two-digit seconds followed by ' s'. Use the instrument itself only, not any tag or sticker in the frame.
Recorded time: 2 h 51 min
